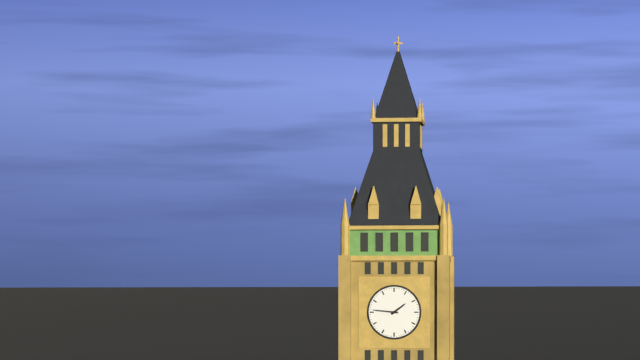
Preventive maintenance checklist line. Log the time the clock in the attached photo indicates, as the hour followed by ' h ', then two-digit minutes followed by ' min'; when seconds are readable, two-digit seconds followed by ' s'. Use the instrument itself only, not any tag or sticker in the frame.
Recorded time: 1 h 46 min
